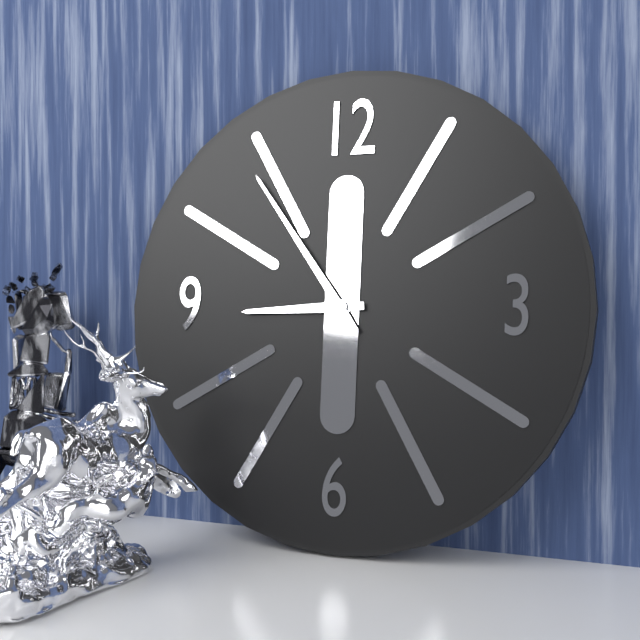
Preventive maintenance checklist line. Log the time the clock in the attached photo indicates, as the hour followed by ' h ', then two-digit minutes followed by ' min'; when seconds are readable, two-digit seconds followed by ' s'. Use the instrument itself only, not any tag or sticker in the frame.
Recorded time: 8 h 54 min
